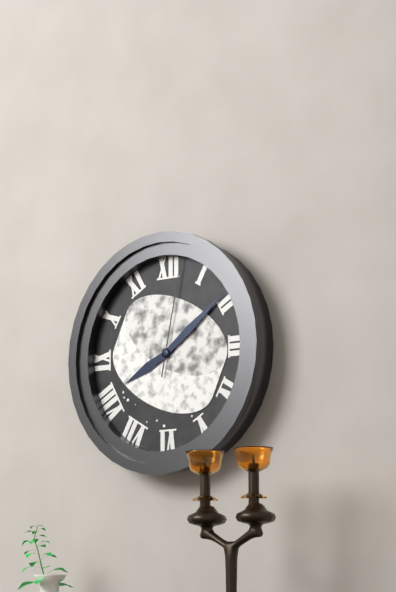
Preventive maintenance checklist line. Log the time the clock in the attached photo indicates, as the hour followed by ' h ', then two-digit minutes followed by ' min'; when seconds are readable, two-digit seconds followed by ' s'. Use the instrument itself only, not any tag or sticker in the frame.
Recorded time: 8 h 09 min 02 s
